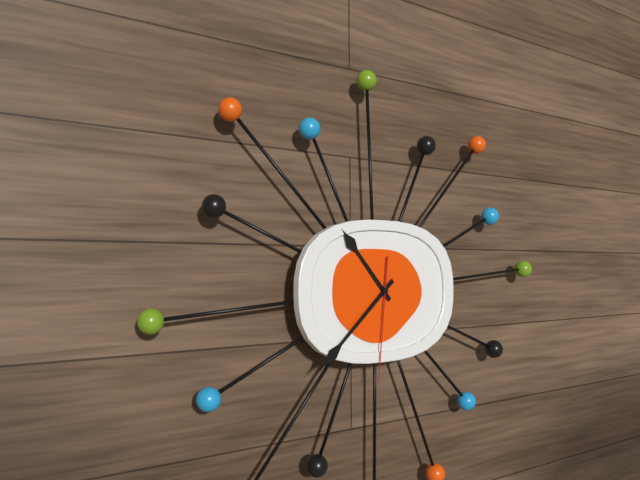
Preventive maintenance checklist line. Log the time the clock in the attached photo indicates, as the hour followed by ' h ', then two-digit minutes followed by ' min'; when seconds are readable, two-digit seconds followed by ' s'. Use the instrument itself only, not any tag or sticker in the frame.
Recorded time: 10 h 38 min 31 s
